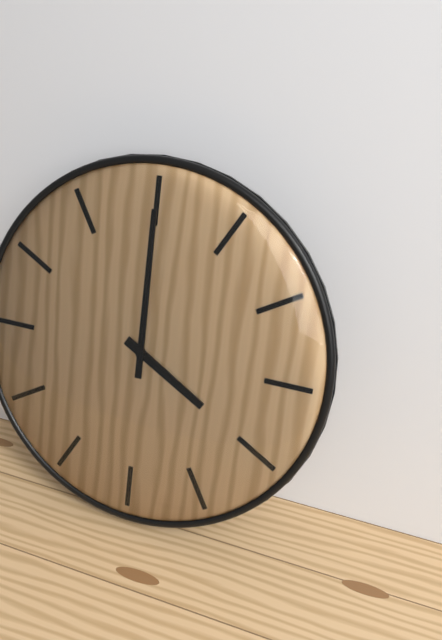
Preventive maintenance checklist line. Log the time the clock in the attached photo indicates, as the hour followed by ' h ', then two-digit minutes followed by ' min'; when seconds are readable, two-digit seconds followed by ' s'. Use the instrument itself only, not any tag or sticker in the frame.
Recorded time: 4 h 00 min
